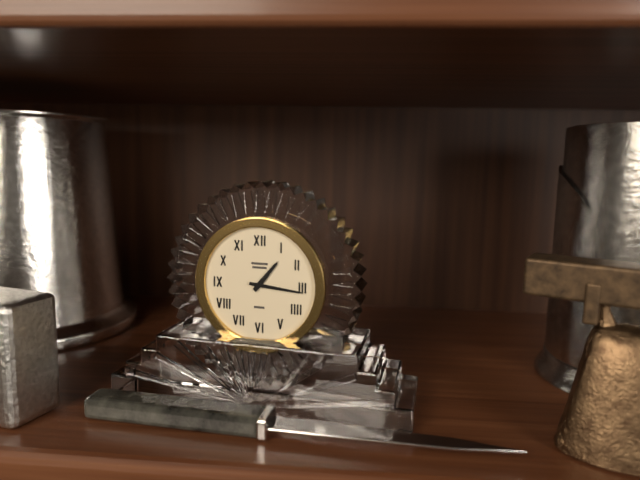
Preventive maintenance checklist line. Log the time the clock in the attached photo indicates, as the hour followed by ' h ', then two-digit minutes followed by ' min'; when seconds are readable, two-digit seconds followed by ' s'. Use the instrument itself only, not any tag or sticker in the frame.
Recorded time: 1 h 16 min
